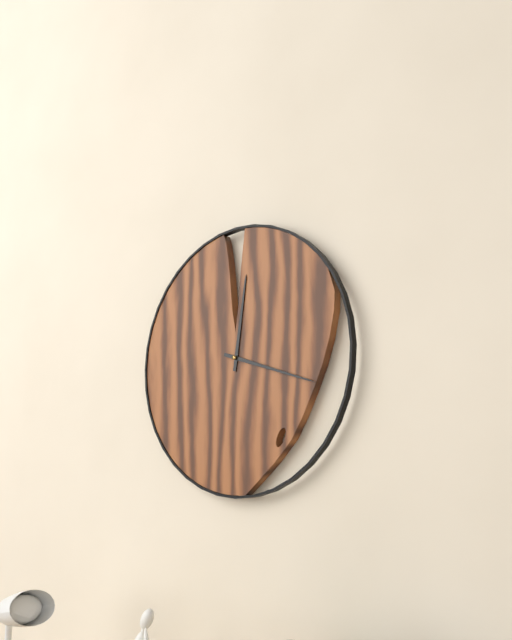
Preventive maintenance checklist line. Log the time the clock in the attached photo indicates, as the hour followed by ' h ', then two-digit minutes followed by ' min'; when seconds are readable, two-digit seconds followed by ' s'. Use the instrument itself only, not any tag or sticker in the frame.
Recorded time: 12 h 18 min
